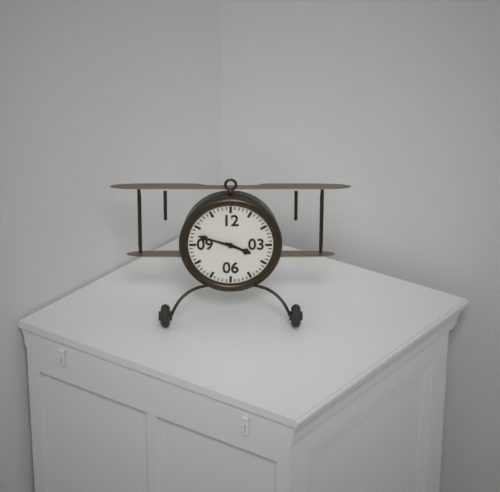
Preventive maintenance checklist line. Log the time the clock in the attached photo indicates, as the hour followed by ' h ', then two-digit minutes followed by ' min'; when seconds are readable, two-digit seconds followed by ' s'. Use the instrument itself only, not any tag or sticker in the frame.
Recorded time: 3 h 48 min
